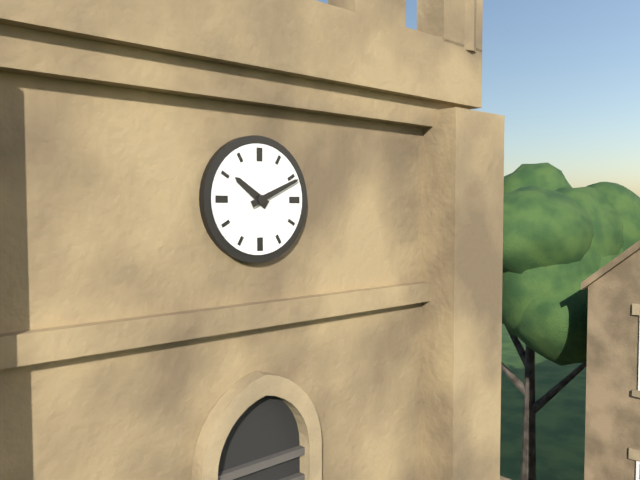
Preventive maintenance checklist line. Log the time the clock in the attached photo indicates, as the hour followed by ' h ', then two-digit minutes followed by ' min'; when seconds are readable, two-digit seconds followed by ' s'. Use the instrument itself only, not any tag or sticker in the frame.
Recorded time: 10 h 11 min
